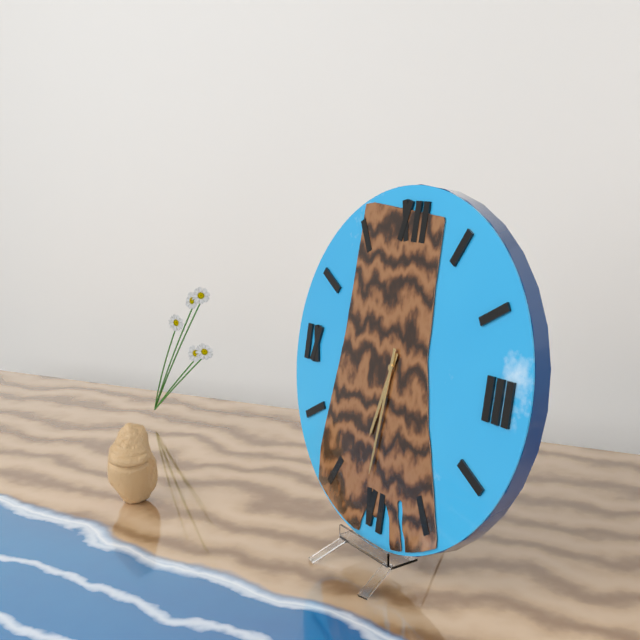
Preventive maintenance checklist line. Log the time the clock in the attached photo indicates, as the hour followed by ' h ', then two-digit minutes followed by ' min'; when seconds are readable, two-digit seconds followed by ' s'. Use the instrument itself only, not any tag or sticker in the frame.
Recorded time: 6 h 31 min
